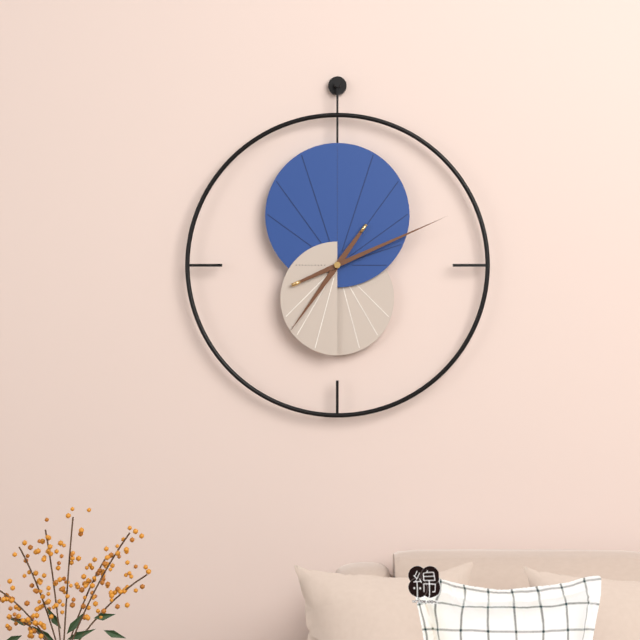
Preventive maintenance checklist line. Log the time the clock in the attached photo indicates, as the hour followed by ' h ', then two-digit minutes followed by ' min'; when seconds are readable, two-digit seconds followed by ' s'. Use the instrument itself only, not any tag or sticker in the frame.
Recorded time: 7 h 11 min
